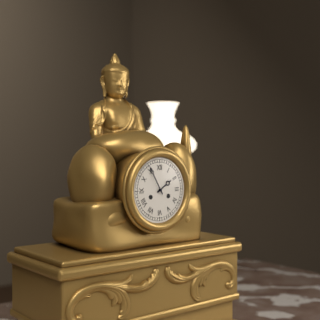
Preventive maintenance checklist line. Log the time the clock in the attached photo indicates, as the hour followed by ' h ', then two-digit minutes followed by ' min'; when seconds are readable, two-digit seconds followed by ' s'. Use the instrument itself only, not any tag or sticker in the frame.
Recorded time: 1 h 55 min
